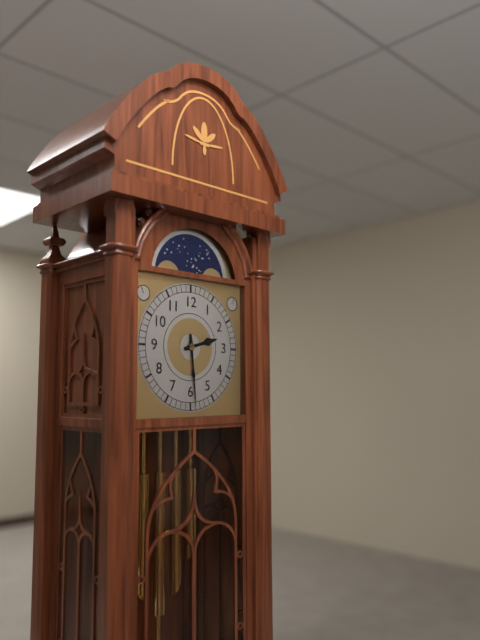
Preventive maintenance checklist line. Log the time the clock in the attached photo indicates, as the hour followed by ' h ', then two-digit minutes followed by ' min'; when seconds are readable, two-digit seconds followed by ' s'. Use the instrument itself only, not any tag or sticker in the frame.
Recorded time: 2 h 29 min
